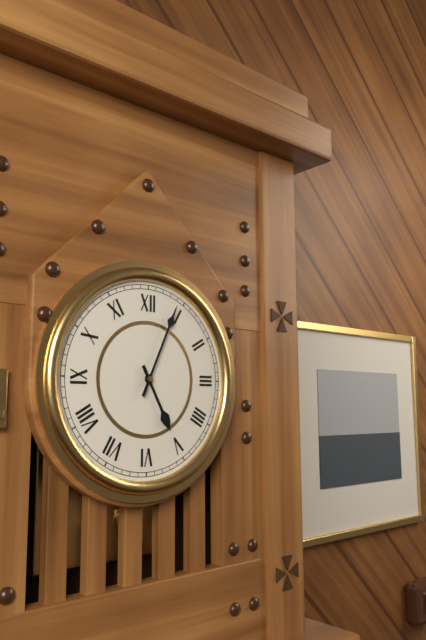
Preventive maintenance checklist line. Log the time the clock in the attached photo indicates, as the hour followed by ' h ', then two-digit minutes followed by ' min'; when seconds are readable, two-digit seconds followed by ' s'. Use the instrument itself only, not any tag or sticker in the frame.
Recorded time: 5 h 04 min
